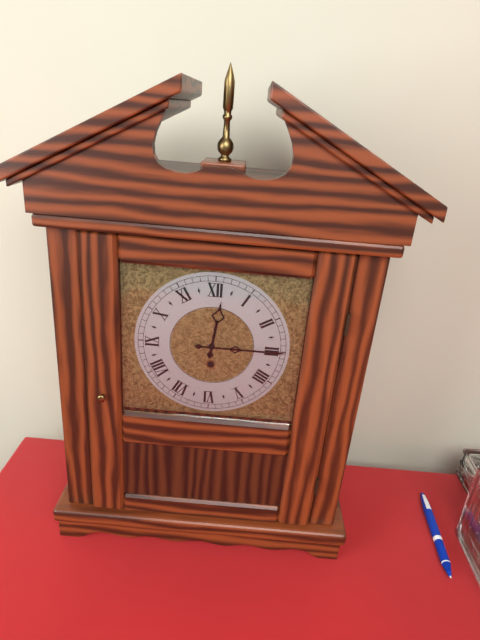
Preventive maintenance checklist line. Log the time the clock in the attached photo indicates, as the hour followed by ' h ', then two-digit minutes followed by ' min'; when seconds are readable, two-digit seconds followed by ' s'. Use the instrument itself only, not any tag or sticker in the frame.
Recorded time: 12 h 15 min
